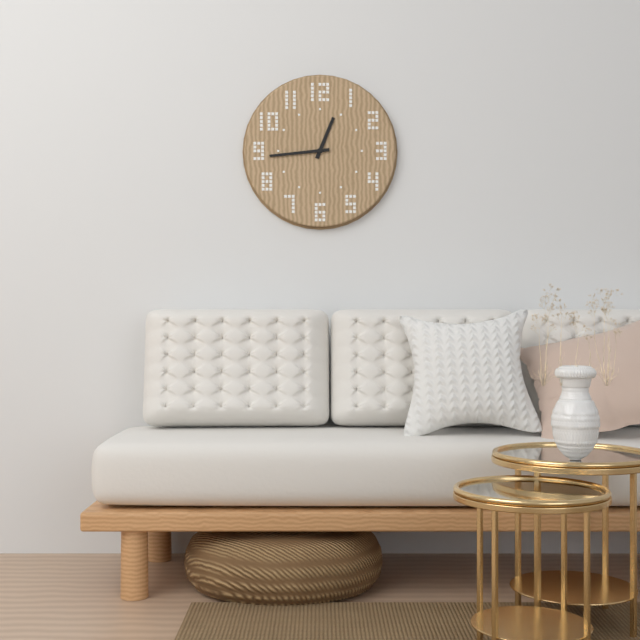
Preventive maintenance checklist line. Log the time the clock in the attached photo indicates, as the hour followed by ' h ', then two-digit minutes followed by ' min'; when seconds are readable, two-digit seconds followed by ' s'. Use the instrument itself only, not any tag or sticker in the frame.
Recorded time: 12 h 44 min
